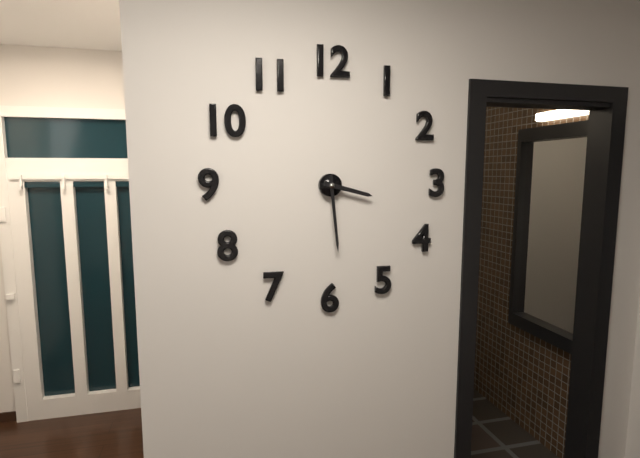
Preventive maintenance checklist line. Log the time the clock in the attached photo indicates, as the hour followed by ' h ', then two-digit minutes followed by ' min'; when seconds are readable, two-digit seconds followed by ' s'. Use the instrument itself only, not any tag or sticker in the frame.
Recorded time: 3 h 29 min
